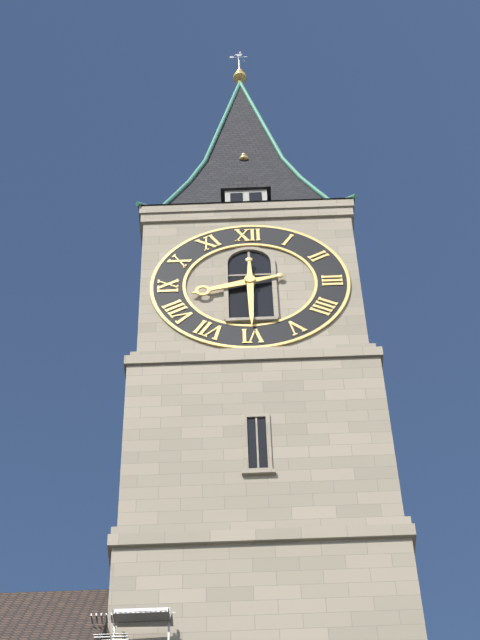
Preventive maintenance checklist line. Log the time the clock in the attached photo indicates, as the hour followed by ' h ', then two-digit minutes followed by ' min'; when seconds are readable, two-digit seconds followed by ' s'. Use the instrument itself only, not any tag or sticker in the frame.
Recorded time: 8 h 30 min
